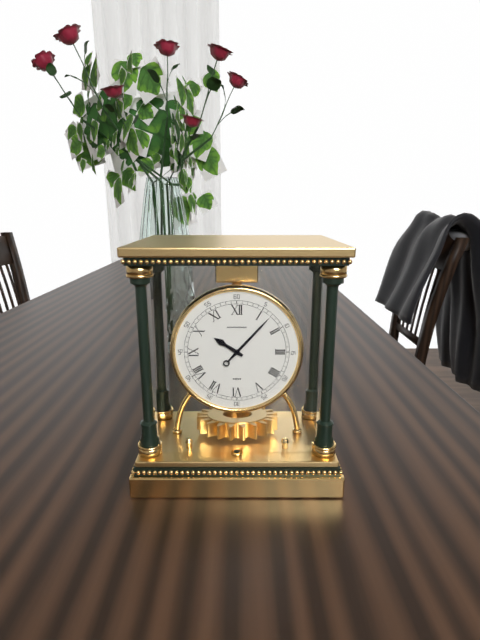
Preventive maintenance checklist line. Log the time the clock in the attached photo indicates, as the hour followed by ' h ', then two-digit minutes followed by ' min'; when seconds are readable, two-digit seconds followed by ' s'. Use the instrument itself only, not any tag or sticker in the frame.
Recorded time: 10 h 07 min
